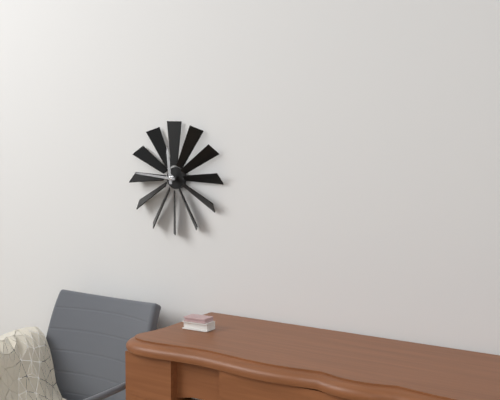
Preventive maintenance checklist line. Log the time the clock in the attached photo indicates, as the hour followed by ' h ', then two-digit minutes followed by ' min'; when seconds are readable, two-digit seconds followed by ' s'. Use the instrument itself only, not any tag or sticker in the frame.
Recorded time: 11 h 46 min
